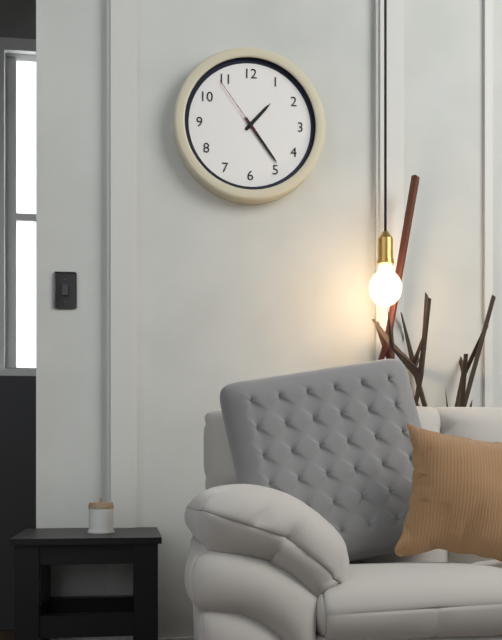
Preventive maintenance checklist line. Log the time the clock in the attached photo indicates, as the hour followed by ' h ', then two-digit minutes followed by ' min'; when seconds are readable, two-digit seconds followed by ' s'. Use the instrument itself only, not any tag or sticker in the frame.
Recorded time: 1 h 24 min 54 s
